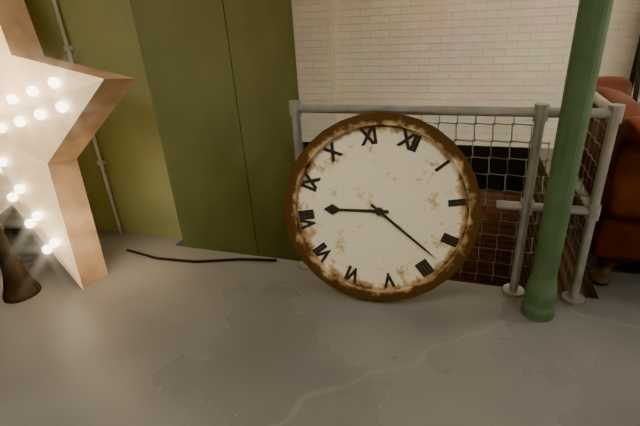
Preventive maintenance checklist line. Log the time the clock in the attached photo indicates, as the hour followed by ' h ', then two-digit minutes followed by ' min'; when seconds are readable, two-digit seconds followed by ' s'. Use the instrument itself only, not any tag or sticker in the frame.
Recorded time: 8 h 18 min
